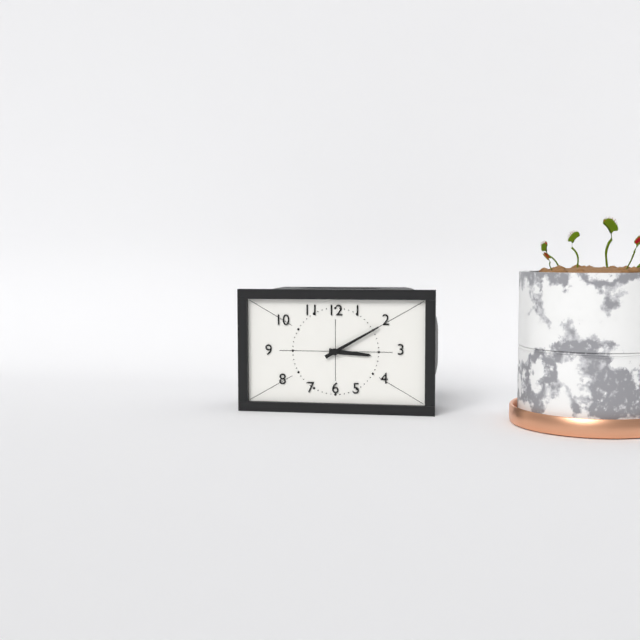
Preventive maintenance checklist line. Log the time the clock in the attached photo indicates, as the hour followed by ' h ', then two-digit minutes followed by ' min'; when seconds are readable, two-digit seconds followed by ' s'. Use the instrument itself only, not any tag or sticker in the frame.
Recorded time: 3 h 10 min
